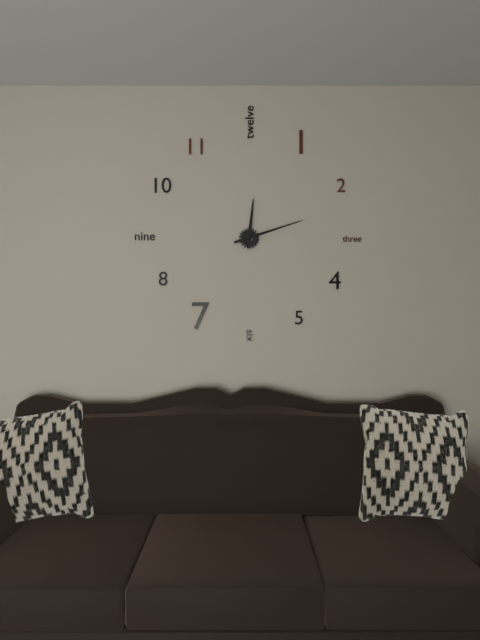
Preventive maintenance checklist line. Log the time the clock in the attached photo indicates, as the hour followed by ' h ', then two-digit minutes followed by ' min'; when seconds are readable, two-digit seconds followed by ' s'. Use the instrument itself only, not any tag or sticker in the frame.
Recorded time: 12 h 12 min
